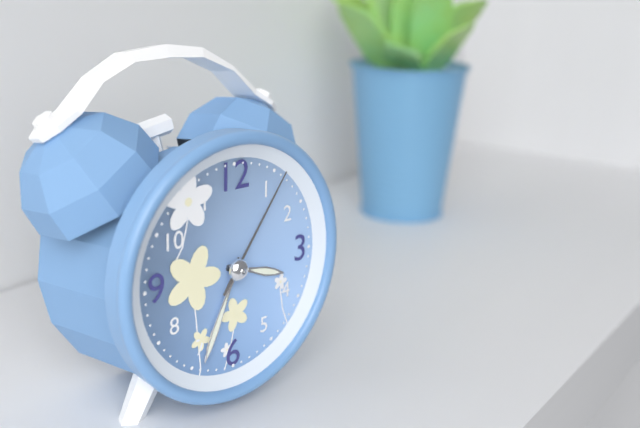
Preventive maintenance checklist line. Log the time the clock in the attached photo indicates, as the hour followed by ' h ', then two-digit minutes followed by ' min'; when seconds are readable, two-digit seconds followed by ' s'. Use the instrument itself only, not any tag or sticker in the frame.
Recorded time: 3 h 34 min 06 s
